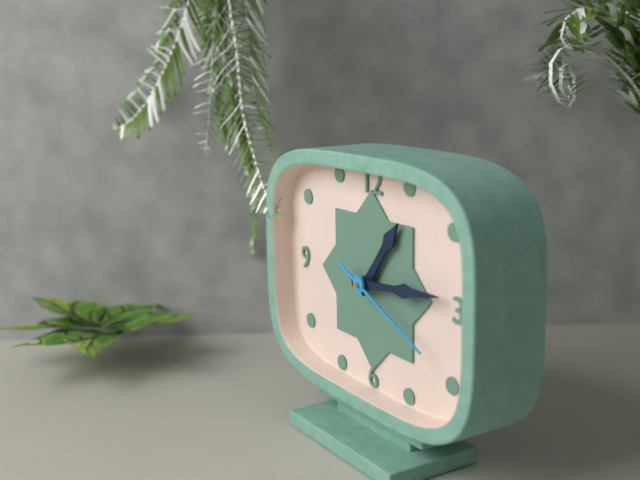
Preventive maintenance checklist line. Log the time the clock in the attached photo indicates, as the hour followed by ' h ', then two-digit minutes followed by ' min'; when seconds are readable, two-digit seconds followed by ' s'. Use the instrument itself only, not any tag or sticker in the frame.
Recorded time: 1 h 14 min 19 s
